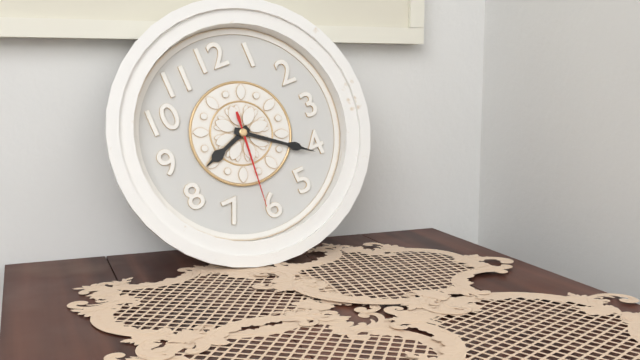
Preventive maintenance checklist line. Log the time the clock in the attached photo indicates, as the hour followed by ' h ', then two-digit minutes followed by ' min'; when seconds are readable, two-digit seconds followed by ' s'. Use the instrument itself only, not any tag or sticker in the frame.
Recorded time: 8 h 21 min 31 s
